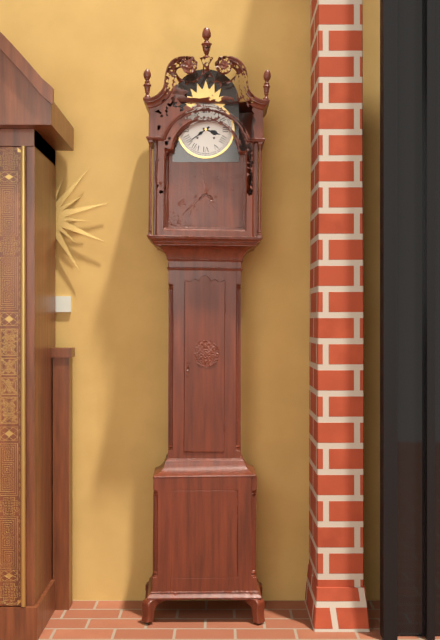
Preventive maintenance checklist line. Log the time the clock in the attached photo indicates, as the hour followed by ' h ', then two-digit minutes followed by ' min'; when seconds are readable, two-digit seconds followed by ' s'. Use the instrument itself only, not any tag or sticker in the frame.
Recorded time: 3 h 39 min
